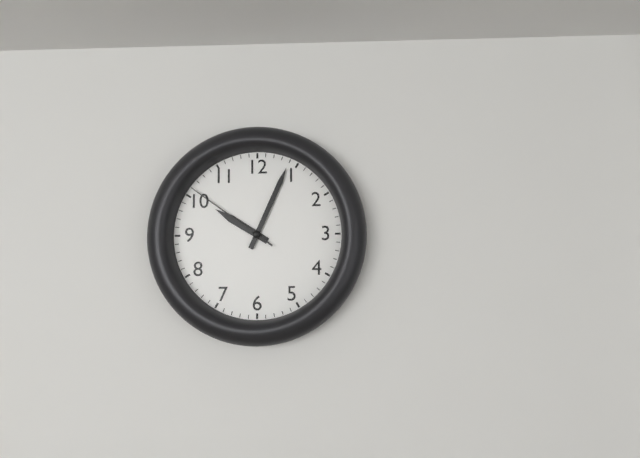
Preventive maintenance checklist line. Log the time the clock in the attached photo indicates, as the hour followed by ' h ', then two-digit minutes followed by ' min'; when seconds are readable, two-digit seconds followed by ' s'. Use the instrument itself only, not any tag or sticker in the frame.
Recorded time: 10 h 04 min 51 s
